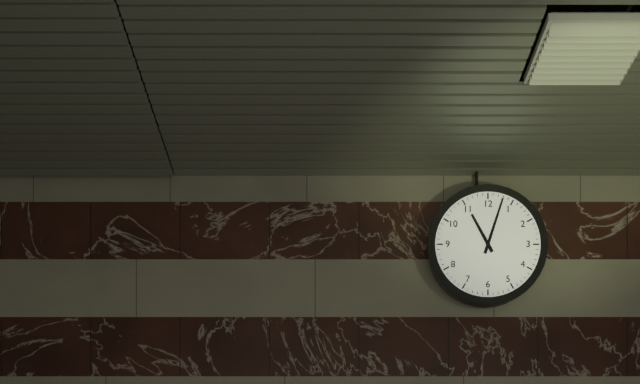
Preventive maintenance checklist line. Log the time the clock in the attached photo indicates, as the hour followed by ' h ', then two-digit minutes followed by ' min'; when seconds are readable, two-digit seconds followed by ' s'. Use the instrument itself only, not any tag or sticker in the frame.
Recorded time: 11 h 03 min
